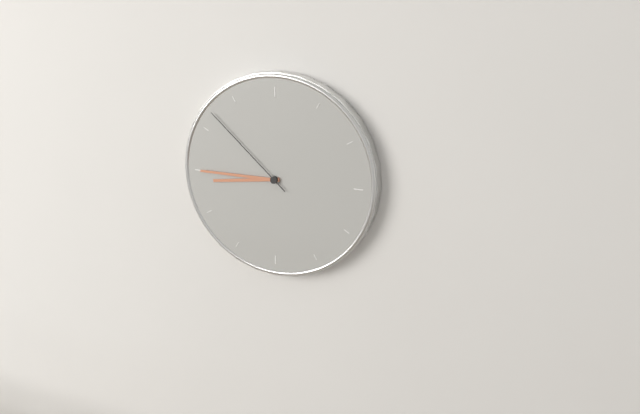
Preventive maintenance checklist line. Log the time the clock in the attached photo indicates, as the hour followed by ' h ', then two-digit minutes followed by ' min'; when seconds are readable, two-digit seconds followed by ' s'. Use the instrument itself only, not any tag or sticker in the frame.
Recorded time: 8 h 45 min 52 s
